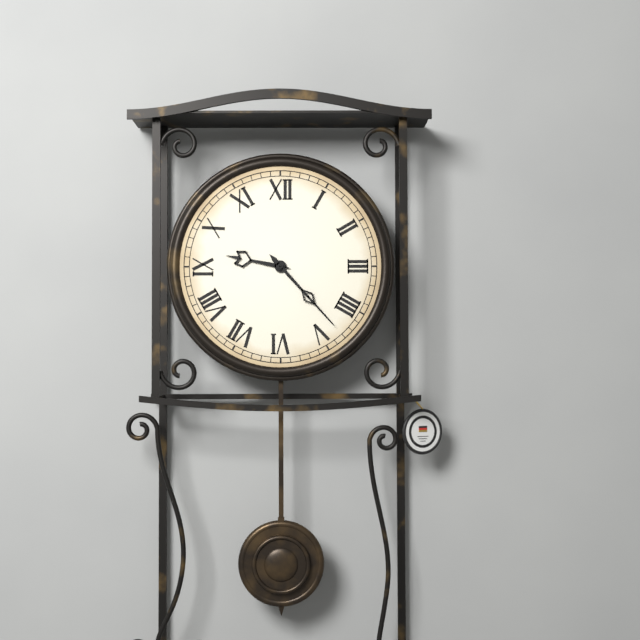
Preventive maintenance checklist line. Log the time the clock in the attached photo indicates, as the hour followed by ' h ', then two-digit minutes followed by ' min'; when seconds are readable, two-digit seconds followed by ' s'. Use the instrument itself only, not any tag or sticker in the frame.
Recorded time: 9 h 23 min
